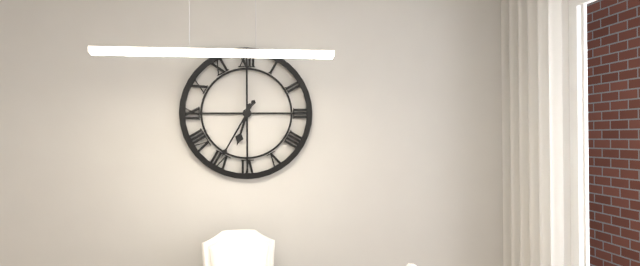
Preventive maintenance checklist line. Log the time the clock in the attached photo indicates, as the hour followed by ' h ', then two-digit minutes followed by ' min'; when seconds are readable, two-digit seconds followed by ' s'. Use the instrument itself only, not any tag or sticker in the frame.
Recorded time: 6 h 35 min
